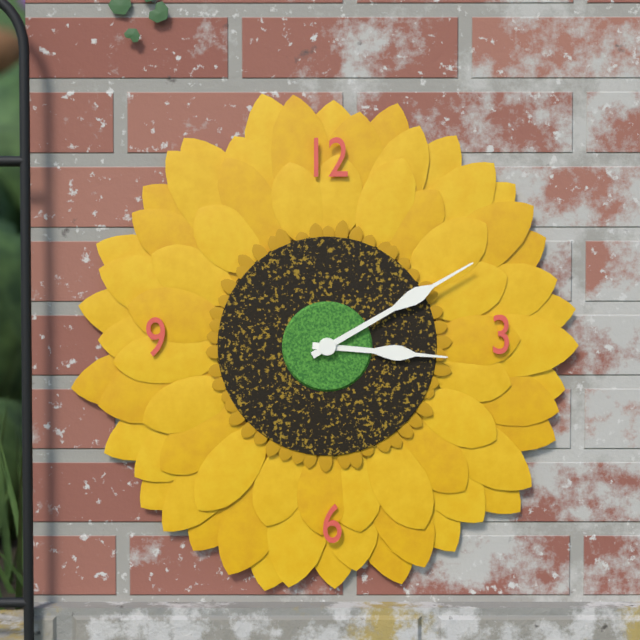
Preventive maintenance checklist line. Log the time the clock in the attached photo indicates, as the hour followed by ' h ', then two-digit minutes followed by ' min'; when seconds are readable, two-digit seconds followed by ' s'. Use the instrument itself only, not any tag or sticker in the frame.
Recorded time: 3 h 10 min
